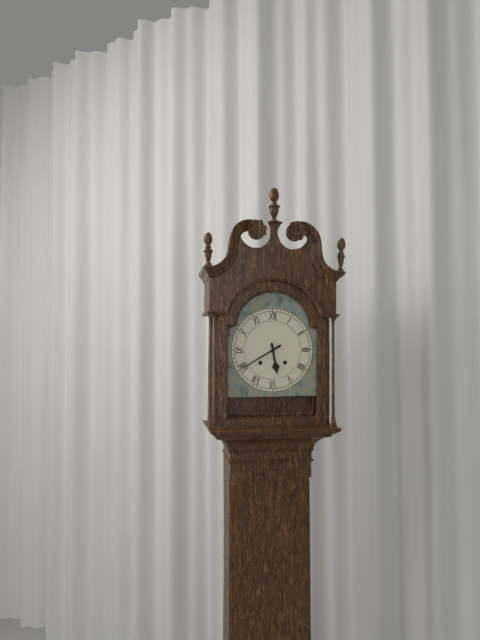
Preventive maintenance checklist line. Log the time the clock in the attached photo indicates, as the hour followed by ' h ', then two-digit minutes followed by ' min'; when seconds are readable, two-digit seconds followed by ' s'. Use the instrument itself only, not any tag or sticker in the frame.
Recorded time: 5 h 40 min
